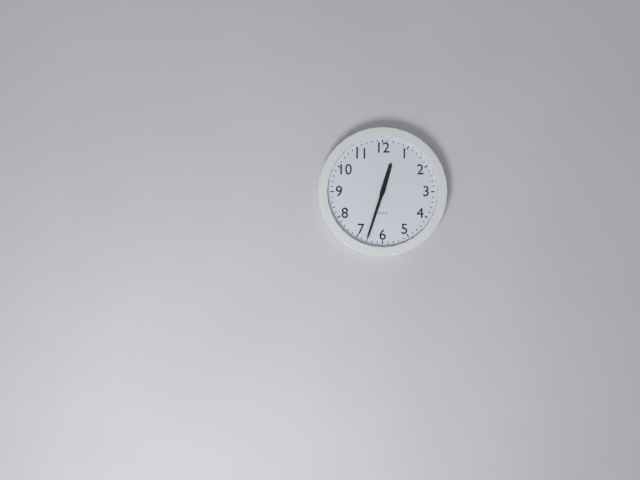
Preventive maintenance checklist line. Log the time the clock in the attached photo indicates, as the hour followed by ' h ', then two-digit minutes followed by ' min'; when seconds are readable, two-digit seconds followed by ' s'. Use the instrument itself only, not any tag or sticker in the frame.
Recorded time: 12 h 33 min
